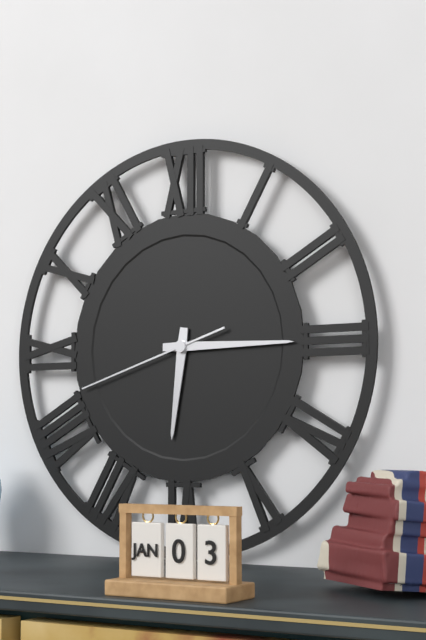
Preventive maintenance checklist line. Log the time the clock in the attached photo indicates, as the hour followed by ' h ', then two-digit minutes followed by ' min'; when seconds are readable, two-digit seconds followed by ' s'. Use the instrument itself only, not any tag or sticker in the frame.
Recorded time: 6 h 15 min 42 s
